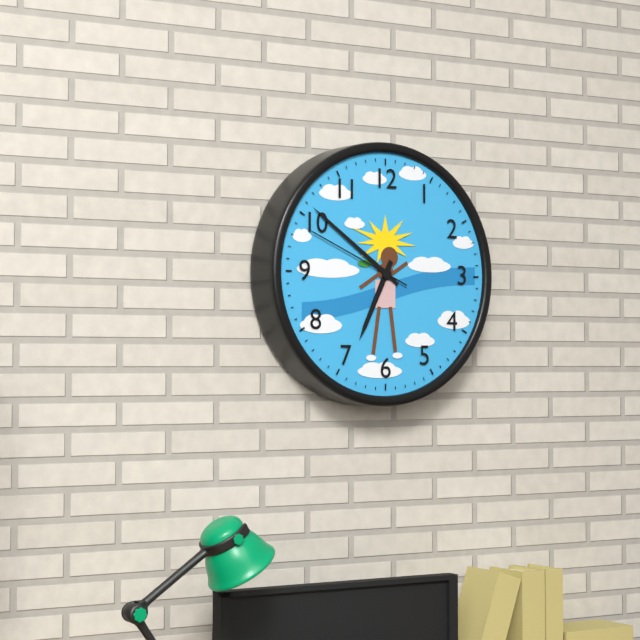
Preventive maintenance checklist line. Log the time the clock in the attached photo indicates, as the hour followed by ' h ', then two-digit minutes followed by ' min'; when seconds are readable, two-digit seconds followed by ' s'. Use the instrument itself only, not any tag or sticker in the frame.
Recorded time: 6 h 51 min 49 s
